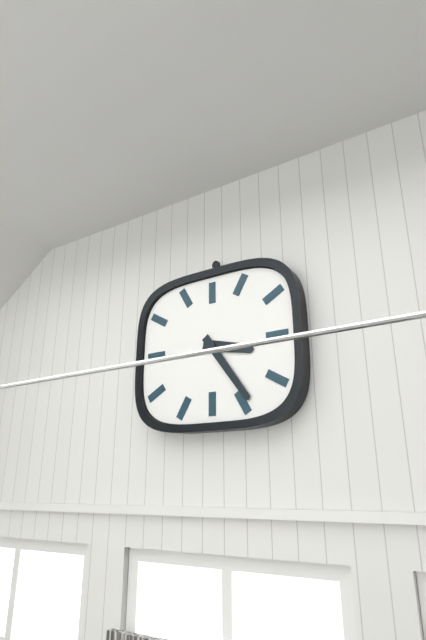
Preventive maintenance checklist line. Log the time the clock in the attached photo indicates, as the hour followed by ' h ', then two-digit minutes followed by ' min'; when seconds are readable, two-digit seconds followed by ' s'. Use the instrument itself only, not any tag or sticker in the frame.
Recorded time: 3 h 24 min
